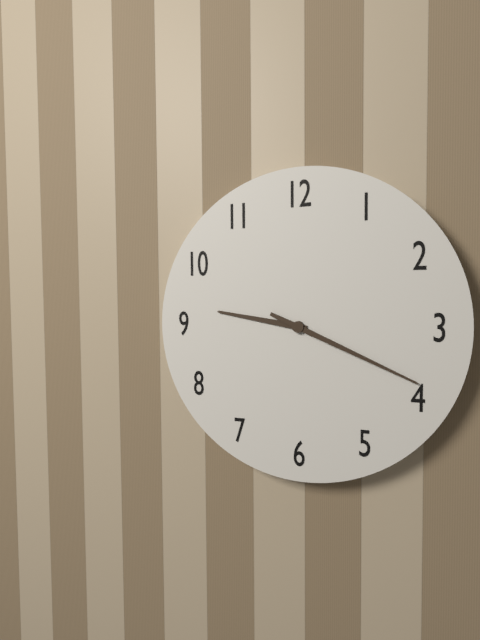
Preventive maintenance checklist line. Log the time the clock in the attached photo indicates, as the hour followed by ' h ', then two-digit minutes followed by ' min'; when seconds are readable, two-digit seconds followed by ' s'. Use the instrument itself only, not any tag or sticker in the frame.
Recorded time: 9 h 19 min
